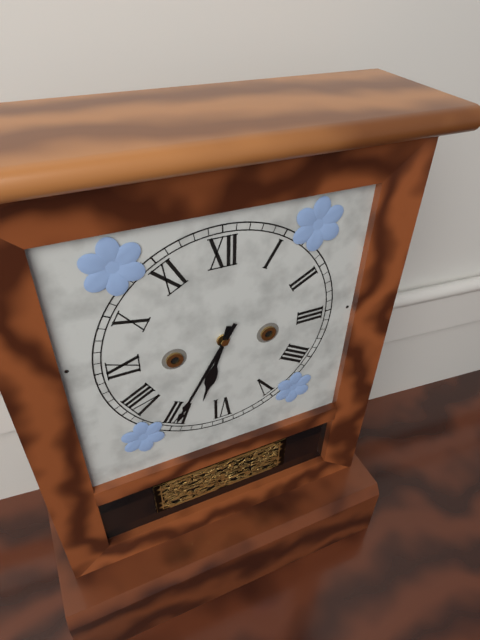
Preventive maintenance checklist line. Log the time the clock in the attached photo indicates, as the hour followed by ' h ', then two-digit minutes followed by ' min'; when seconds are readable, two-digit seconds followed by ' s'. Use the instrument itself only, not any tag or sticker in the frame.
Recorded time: 6 h 35 min
